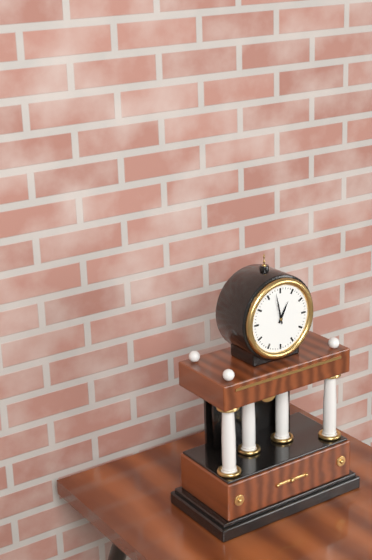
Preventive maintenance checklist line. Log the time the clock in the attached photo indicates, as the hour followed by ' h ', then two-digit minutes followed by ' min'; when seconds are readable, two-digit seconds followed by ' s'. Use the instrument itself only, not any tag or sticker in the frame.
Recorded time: 12 h 58 min
